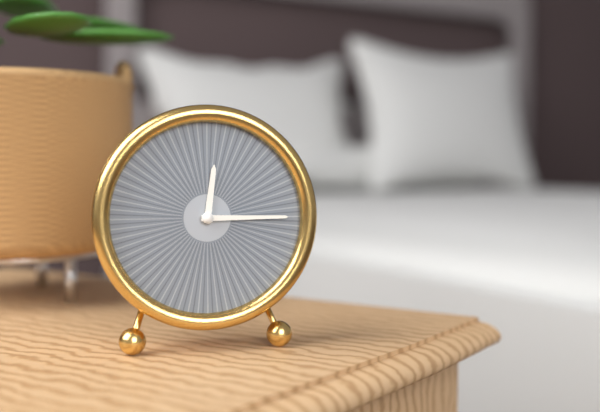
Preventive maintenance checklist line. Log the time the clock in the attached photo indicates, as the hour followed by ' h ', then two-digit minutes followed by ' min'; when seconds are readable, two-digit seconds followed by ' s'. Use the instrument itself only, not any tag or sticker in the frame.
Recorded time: 12 h 15 min
